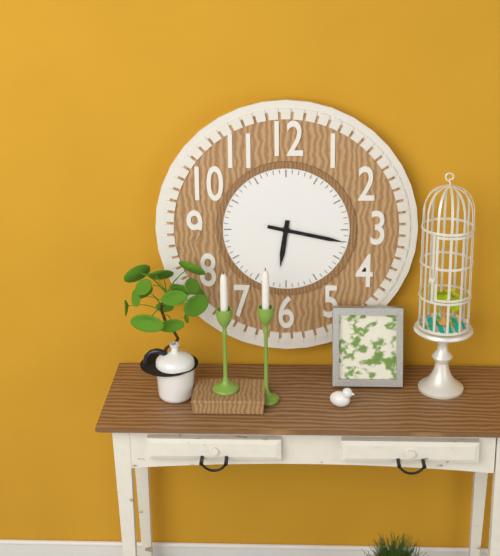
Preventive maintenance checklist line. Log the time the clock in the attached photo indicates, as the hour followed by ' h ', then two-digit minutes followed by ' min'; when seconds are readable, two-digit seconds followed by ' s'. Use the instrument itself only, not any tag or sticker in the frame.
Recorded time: 6 h 17 min
